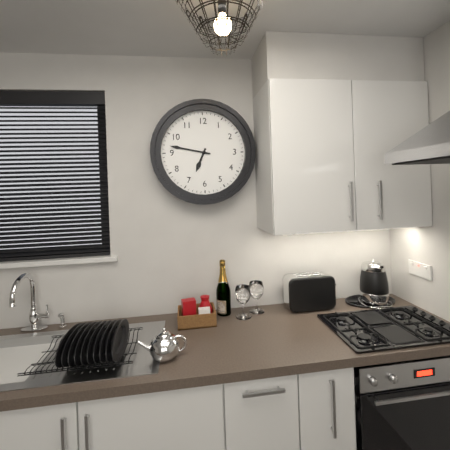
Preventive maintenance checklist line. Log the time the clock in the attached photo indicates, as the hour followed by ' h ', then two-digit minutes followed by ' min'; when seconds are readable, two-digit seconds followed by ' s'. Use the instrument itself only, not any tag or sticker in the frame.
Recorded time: 6 h 47 min
